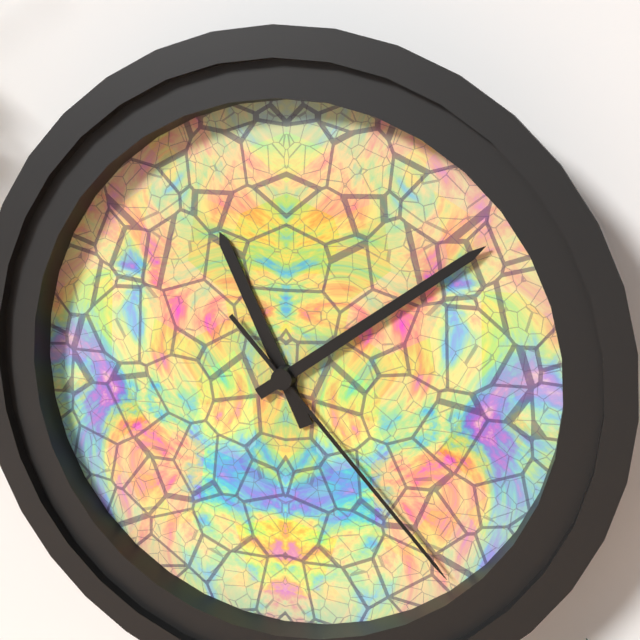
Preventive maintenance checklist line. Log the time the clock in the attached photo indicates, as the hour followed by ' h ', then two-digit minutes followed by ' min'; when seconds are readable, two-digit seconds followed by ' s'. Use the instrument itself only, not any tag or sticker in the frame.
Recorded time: 11 h 09 min 23 s
